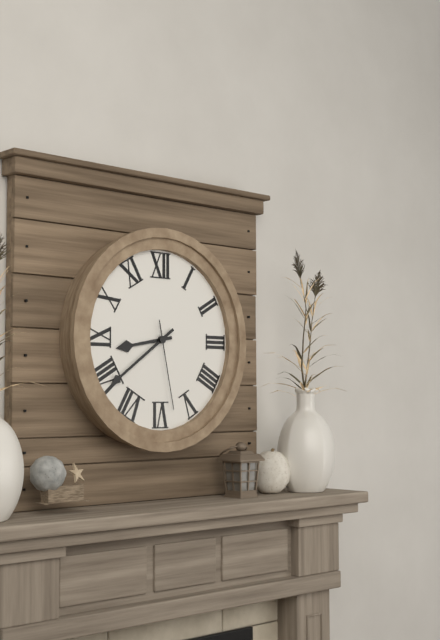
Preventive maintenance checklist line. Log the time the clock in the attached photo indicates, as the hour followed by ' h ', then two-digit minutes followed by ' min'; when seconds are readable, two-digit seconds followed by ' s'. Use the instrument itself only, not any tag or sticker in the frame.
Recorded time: 8 h 39 min 28 s
